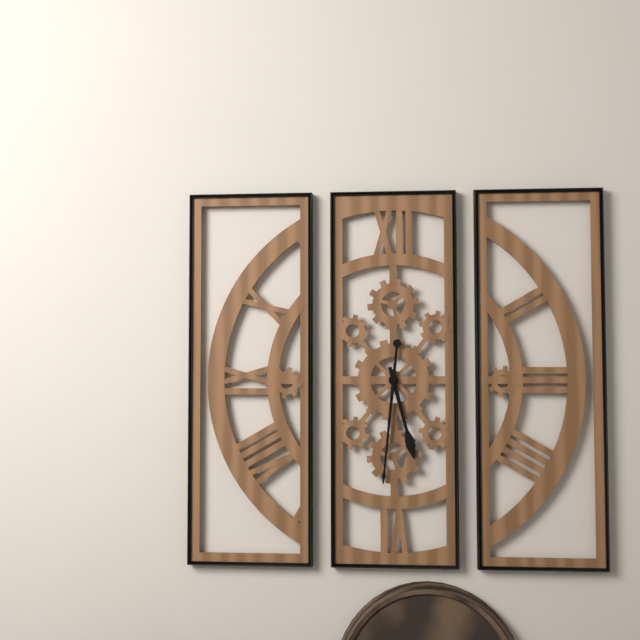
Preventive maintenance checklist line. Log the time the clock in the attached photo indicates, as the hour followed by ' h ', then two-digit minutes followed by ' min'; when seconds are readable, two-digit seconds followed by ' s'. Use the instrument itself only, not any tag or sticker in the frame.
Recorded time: 5 h 31 min
